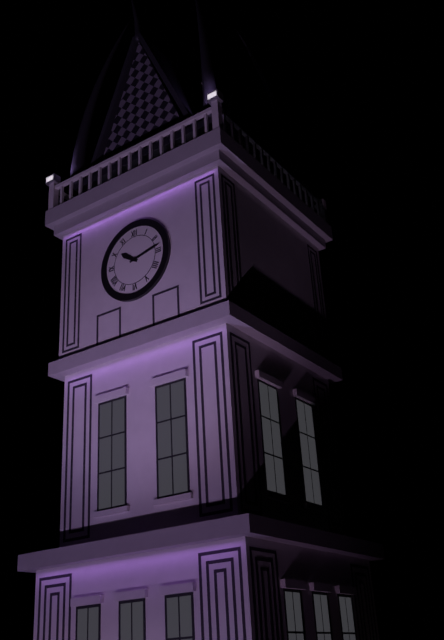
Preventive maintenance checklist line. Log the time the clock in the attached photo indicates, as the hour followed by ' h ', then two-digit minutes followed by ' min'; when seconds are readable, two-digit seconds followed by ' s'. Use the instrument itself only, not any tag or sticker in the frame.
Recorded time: 10 h 13 min
